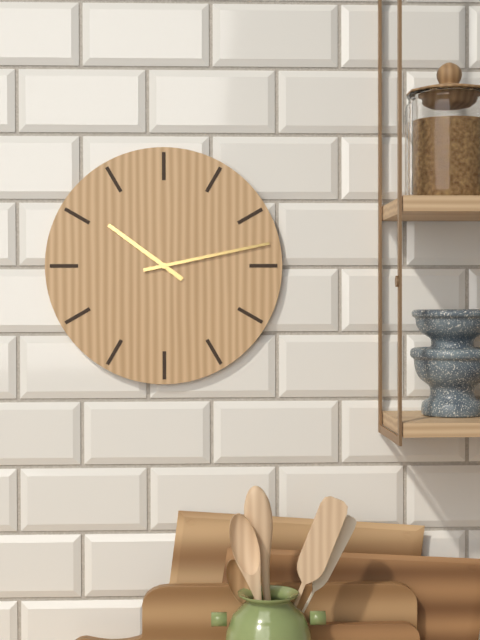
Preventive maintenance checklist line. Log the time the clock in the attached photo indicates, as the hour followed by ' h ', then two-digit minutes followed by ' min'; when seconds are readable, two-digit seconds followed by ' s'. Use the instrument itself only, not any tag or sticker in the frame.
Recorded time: 10 h 13 min
